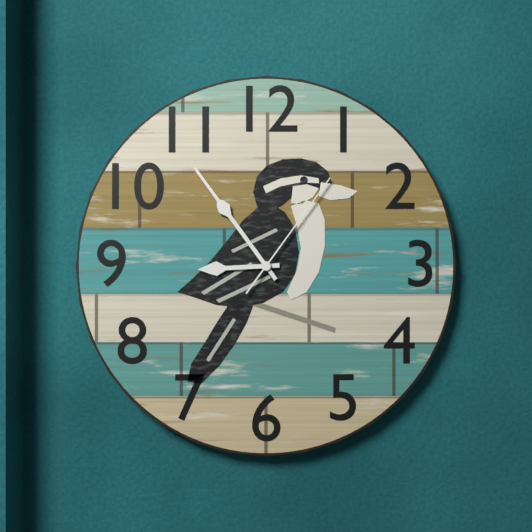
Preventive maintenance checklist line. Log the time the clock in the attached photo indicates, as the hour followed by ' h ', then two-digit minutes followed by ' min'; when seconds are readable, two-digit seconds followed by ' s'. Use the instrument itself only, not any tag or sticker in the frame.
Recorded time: 8 h 54 min 06 s
